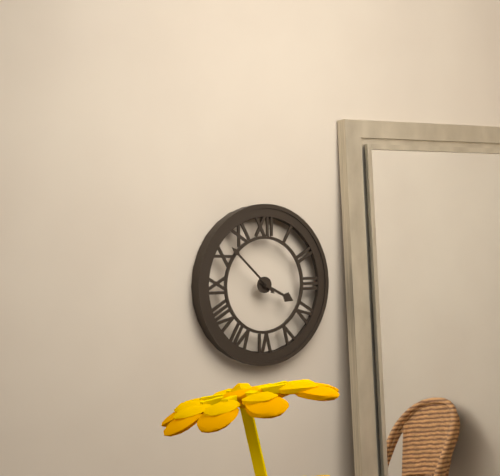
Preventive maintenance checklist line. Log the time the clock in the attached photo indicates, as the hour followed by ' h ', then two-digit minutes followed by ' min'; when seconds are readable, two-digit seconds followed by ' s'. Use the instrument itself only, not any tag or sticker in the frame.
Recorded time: 3 h 52 min
